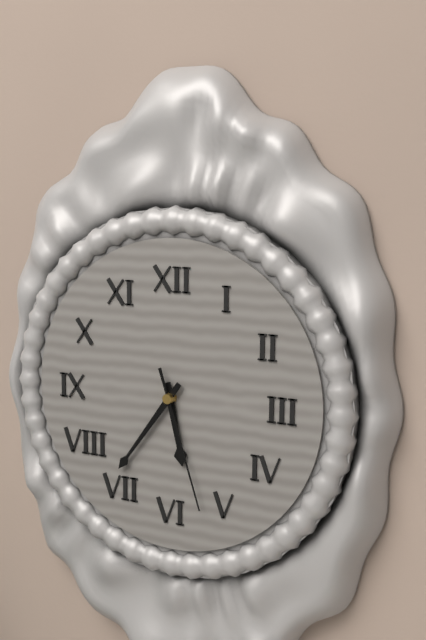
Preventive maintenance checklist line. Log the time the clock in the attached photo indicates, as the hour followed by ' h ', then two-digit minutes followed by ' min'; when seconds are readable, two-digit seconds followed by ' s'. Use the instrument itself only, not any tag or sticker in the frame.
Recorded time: 5 h 36 min 27 s
